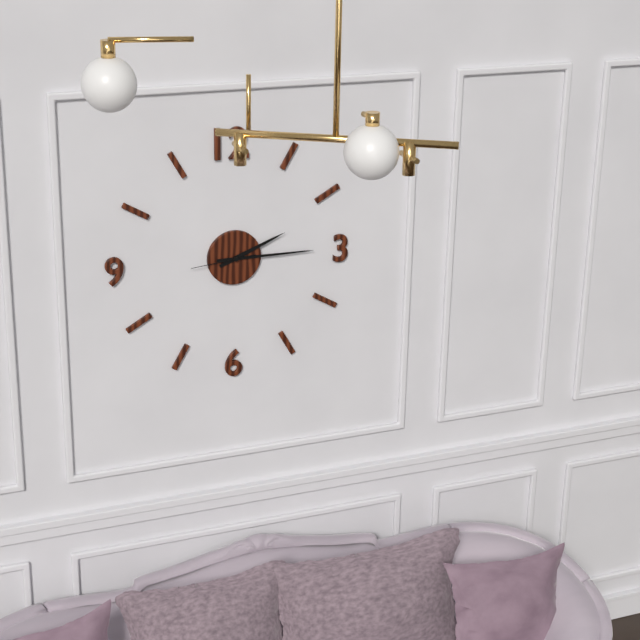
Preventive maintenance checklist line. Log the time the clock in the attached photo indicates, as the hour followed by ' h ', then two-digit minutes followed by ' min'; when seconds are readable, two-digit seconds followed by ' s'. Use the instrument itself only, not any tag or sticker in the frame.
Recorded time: 2 h 15 min 44 s
